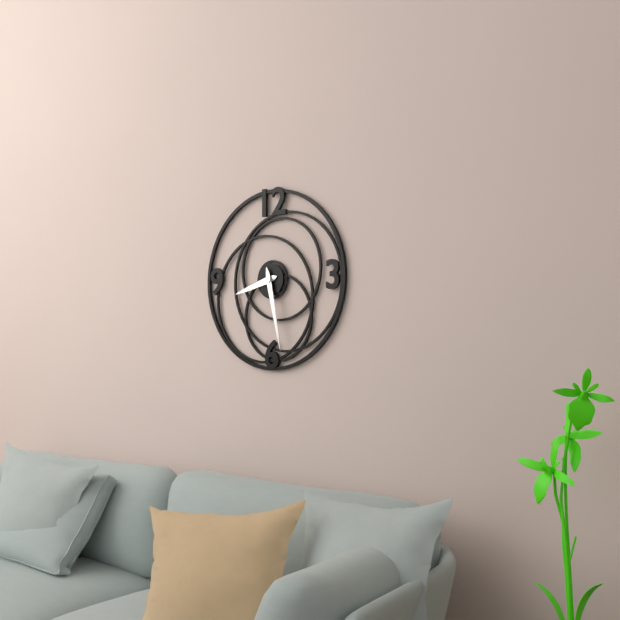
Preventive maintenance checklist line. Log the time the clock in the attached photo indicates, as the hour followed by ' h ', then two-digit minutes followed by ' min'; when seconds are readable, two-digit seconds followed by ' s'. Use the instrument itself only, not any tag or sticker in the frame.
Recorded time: 8 h 28 min
